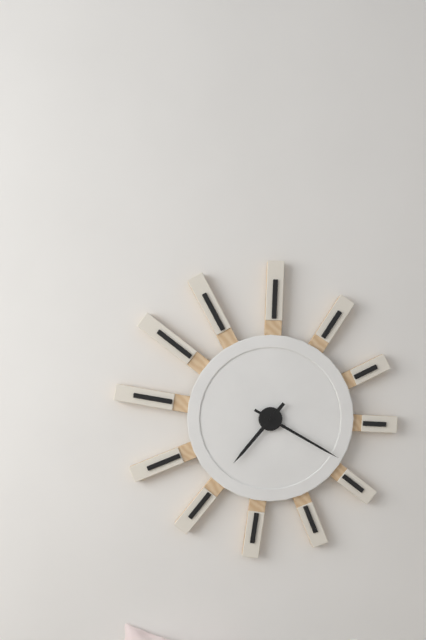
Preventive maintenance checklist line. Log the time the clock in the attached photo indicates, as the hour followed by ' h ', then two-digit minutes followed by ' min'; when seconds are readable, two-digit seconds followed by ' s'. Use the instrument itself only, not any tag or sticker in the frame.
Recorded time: 7 h 20 min
